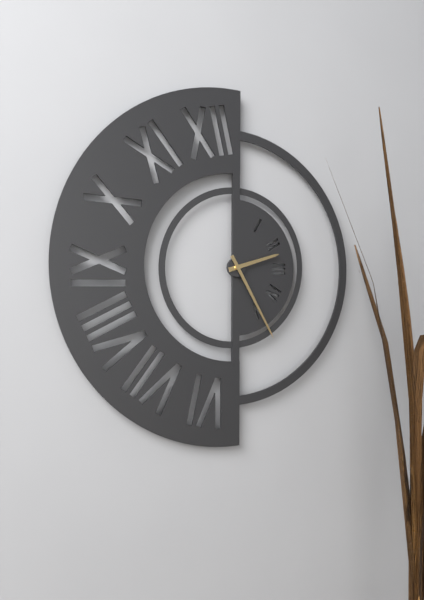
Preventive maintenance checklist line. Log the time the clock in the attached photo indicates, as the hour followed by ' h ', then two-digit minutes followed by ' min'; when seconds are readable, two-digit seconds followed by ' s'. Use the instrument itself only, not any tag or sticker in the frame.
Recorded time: 2 h 25 min
